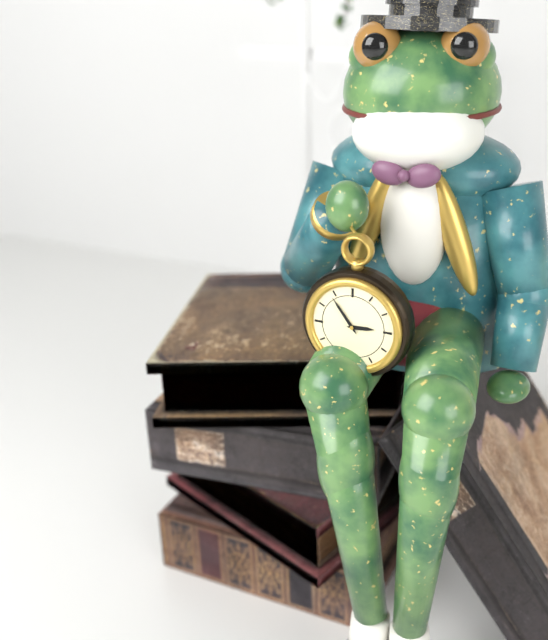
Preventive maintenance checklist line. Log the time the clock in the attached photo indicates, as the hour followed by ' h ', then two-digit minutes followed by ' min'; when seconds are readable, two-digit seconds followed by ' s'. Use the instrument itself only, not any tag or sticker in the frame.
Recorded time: 2 h 54 min
